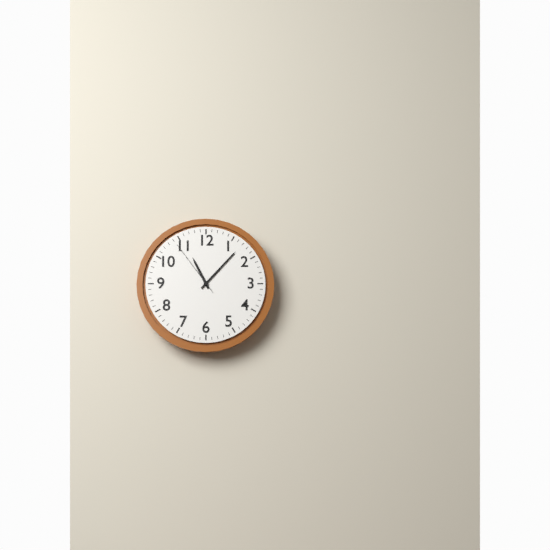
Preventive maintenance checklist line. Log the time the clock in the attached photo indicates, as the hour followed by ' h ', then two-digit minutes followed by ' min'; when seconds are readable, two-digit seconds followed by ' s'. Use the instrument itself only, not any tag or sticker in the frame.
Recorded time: 11 h 07 min 54 s
